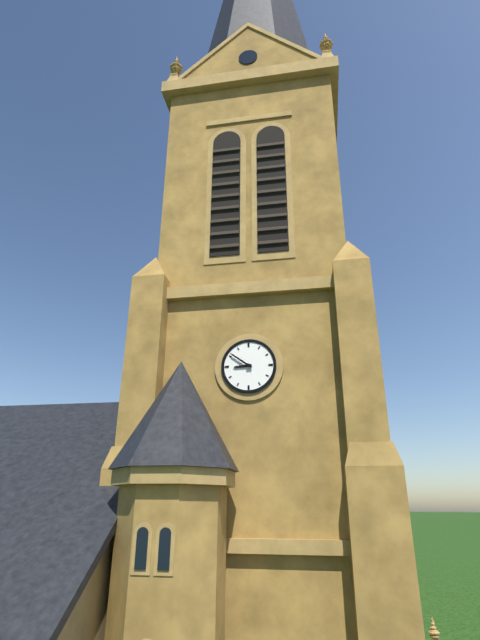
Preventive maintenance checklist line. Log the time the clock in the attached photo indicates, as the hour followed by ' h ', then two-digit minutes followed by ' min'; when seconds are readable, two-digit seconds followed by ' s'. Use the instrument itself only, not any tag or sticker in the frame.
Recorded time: 8 h 51 min
